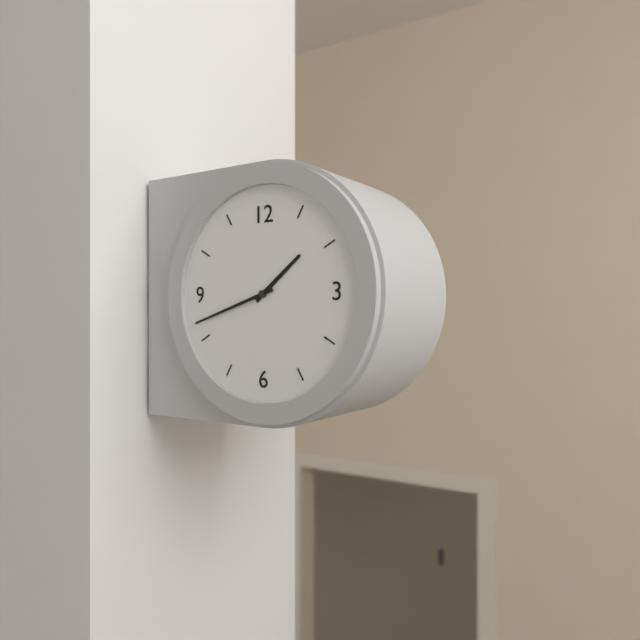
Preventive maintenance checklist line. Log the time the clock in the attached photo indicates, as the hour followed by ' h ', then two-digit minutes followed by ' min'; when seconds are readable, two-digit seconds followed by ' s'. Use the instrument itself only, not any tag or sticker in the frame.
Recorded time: 1 h 42 min
